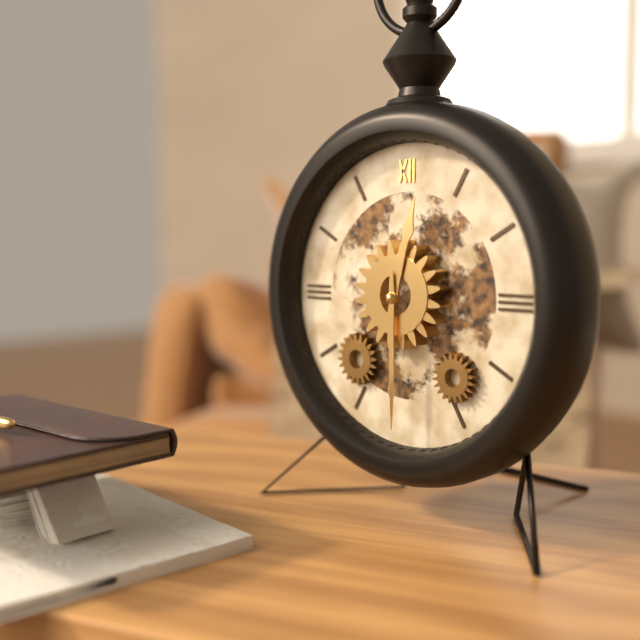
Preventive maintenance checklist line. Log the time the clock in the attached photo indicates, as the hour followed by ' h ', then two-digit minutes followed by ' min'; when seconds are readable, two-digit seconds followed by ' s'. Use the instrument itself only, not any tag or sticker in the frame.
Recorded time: 12 h 30 min
